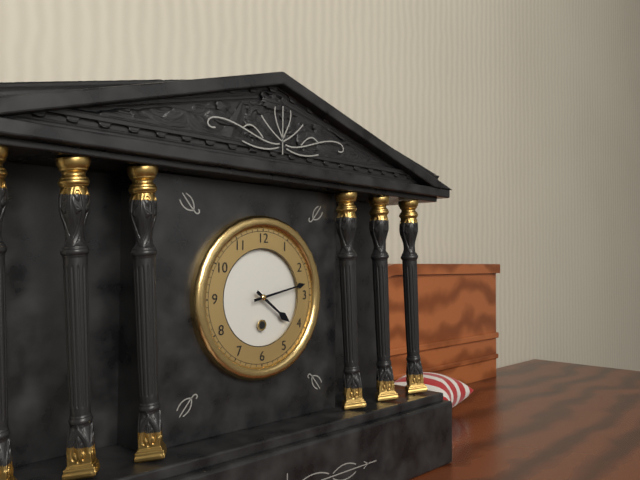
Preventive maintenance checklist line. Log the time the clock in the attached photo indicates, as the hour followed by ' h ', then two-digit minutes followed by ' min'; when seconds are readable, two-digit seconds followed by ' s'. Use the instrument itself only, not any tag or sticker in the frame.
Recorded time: 4 h 13 min
